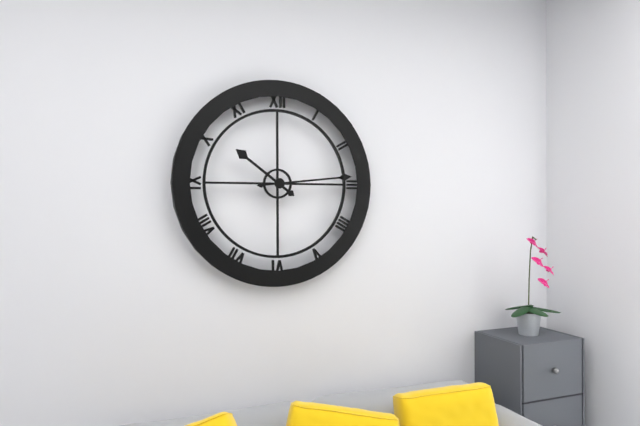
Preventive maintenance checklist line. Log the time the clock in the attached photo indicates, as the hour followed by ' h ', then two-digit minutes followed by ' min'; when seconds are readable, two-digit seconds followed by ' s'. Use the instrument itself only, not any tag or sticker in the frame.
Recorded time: 10 h 14 min
